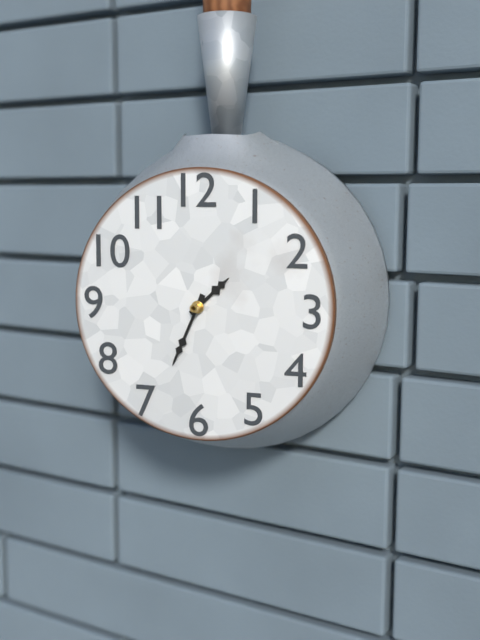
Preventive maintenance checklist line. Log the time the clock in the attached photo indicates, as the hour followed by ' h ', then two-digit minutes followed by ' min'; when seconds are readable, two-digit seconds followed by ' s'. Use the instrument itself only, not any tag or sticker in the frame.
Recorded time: 1 h 34 min
